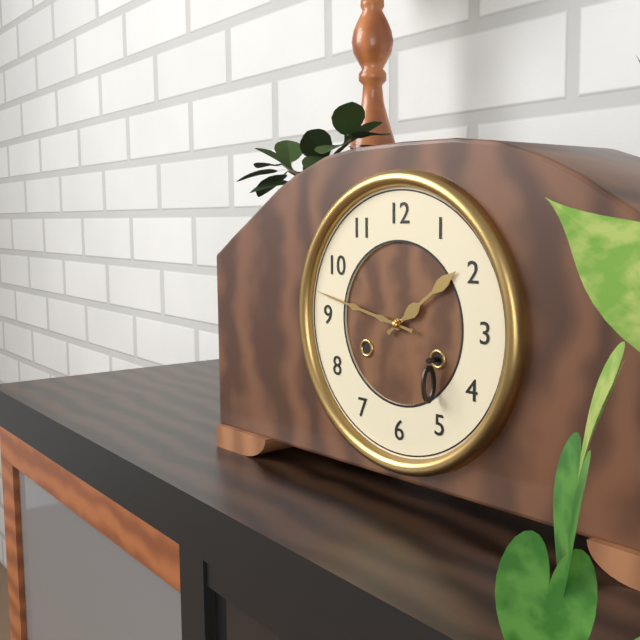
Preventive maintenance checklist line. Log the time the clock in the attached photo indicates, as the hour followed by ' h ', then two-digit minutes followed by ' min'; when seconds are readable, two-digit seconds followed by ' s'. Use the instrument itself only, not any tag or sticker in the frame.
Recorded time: 1 h 47 min
